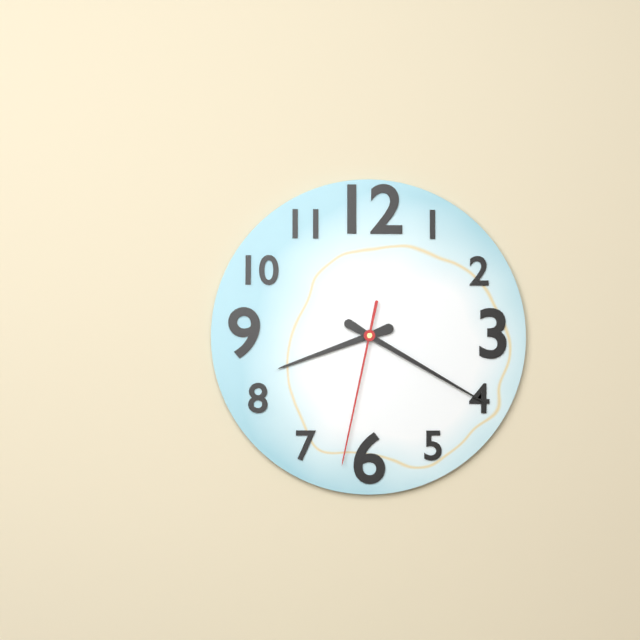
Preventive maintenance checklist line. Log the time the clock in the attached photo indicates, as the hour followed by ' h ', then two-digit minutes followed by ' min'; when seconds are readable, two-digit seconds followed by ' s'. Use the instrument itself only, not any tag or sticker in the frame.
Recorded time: 8 h 20 min 32 s
